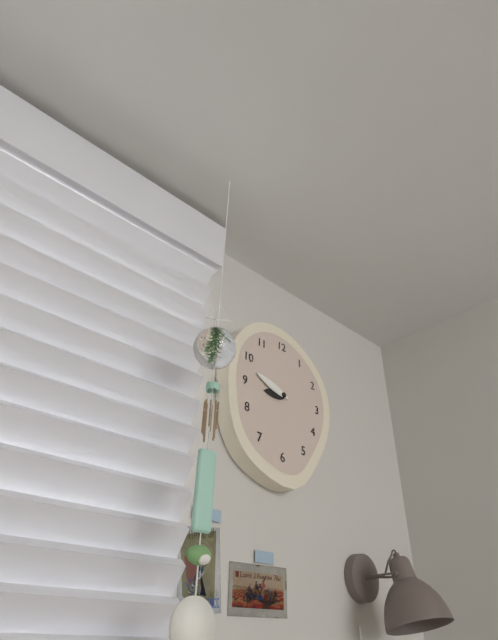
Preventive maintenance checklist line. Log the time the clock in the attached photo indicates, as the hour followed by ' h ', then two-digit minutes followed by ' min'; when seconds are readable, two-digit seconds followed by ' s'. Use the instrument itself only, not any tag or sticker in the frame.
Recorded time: 8 h 48 min
